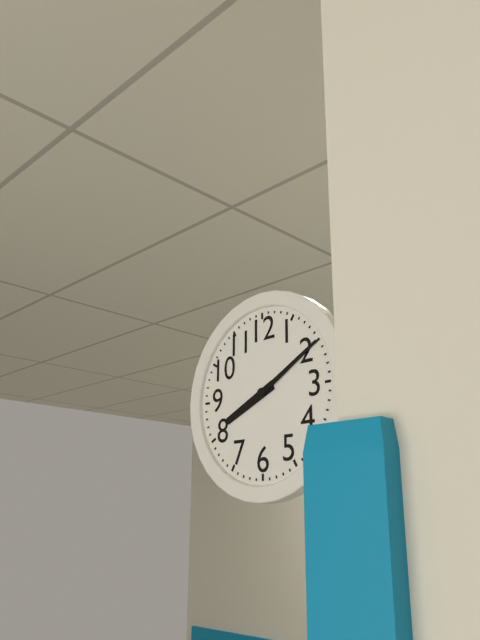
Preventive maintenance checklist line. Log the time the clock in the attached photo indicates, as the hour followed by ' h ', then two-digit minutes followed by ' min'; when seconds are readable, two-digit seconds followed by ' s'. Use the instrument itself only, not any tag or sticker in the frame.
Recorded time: 8 h 10 min
